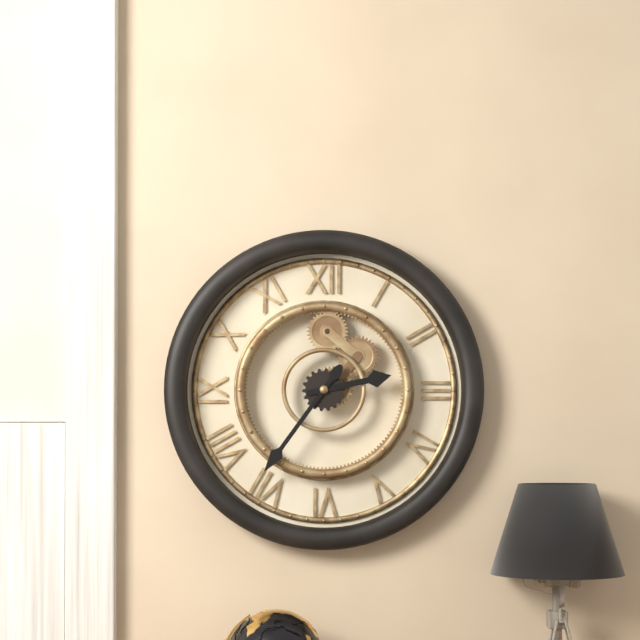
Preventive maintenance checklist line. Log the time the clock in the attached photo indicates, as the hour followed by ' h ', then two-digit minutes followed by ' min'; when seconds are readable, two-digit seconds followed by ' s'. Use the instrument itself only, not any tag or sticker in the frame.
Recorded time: 2 h 36 min
